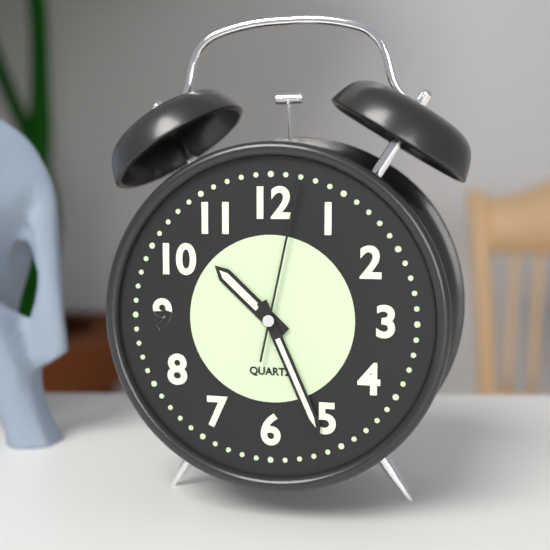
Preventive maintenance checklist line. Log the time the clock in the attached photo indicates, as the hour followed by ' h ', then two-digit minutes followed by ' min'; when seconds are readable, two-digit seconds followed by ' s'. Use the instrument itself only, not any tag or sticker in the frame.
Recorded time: 10 h 26 min 02 s
